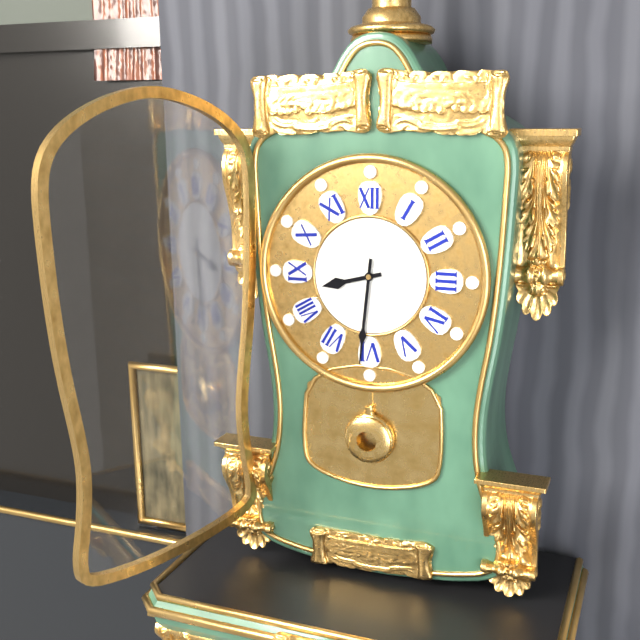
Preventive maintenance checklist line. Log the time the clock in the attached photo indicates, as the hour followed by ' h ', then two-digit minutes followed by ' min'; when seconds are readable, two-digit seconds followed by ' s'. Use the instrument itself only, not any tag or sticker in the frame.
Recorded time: 8 h 31 min
